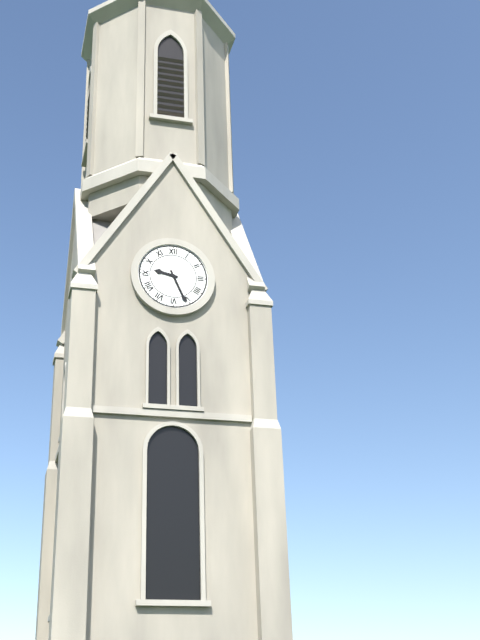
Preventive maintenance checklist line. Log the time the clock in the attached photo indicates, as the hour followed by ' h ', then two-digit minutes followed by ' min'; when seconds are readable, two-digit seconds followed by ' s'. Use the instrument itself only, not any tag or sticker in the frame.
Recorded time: 9 h 26 min
